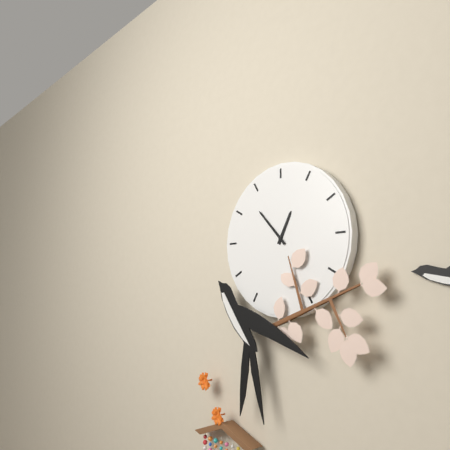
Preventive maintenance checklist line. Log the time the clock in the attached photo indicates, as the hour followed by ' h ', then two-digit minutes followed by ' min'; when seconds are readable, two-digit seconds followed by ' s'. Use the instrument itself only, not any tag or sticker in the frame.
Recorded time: 12 h 53 min
